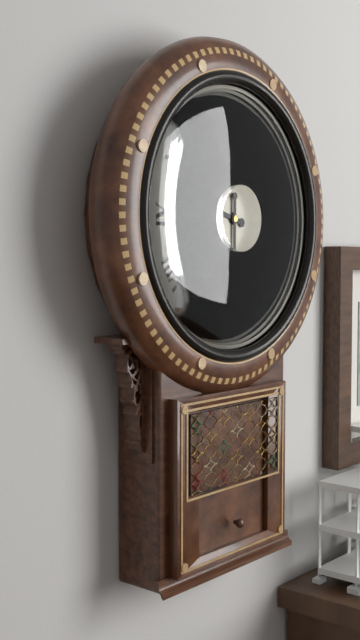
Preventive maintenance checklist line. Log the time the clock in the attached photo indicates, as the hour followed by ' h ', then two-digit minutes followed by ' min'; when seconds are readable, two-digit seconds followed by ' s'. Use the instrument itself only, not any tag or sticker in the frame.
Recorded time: 9 h 30 min
